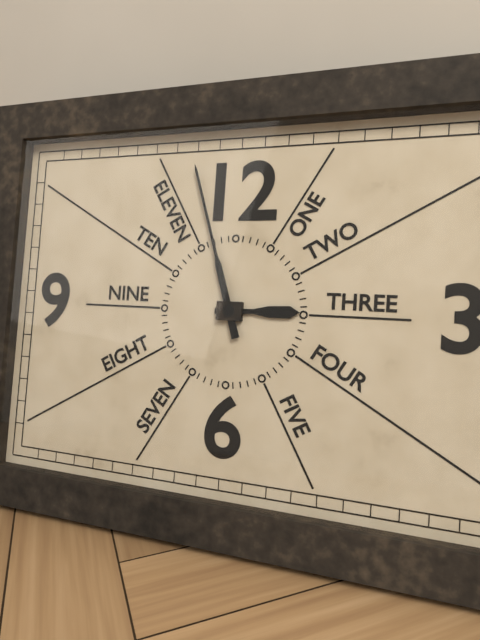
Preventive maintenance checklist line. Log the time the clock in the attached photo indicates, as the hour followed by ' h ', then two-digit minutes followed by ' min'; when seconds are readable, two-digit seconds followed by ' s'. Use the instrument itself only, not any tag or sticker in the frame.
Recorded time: 2 h 57 min
